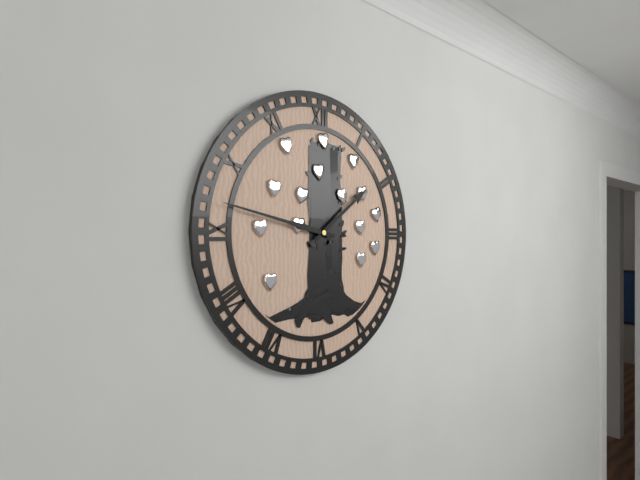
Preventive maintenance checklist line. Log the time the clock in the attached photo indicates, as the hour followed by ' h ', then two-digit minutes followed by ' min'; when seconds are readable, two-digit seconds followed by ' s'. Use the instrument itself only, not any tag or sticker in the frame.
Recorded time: 1 h 47 min
